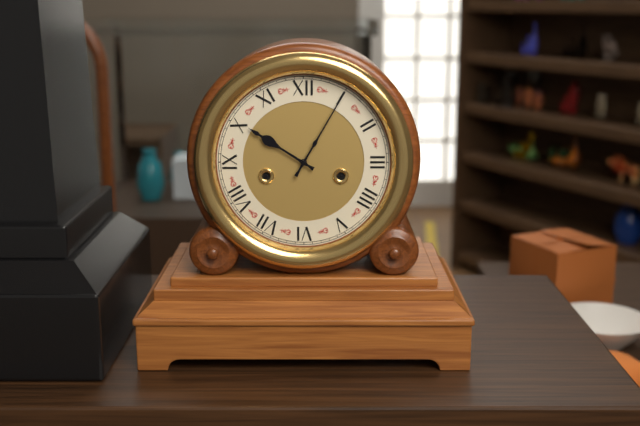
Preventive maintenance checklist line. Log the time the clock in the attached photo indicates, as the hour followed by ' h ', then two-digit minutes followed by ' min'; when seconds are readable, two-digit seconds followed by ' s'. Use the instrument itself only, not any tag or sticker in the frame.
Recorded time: 10 h 05 min
